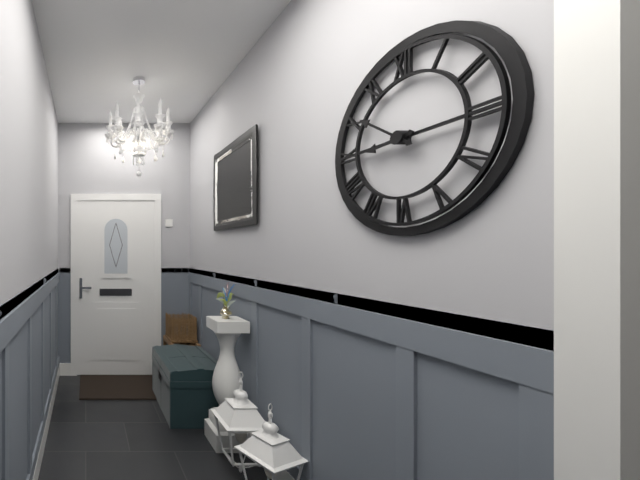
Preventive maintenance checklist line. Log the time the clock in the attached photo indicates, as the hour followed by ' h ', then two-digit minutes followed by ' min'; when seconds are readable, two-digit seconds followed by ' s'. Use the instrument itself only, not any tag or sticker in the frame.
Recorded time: 8 h 51 min
